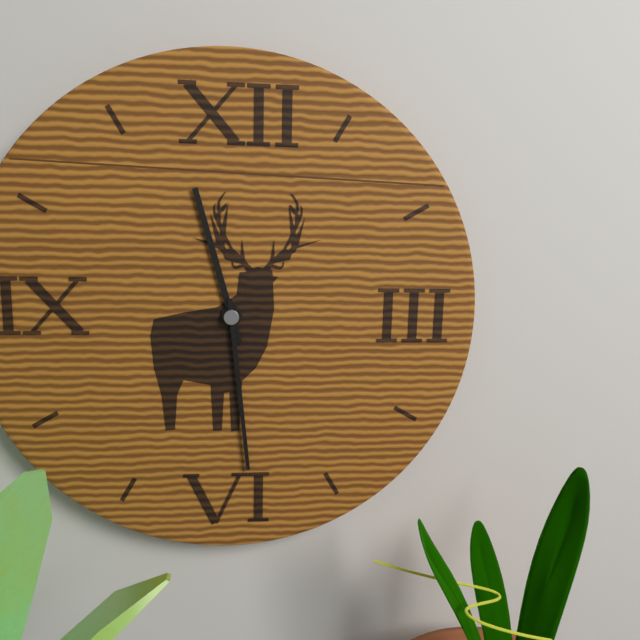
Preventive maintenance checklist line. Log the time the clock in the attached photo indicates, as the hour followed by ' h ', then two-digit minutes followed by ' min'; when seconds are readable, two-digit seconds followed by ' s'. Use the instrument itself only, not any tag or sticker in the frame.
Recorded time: 11 h 29 min
